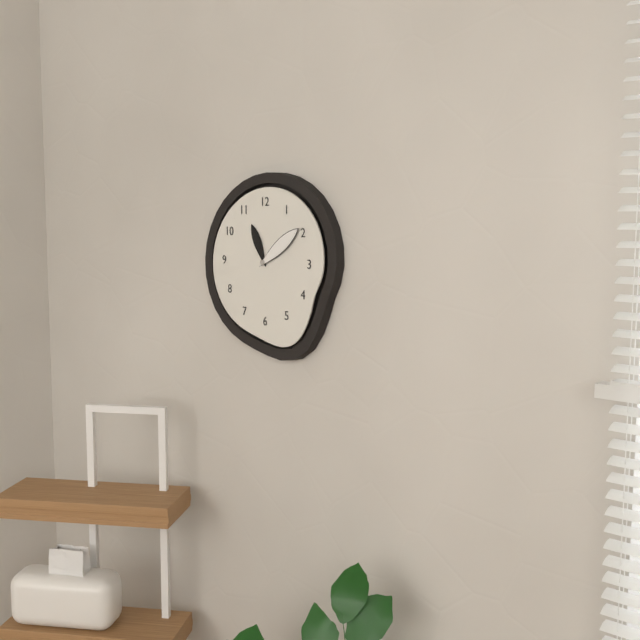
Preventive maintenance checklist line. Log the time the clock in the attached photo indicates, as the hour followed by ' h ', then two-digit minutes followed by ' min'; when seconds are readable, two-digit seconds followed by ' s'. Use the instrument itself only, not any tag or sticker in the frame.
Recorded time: 11 h 09 min
